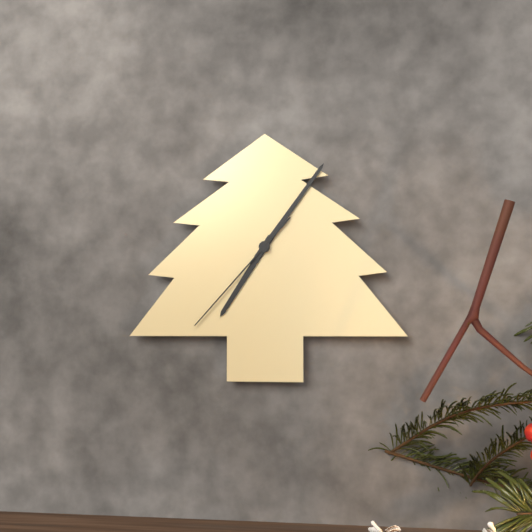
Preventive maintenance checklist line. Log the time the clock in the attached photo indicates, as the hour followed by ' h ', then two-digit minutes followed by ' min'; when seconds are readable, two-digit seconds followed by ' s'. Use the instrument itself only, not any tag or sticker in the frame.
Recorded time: 7 h 06 min 37 s
